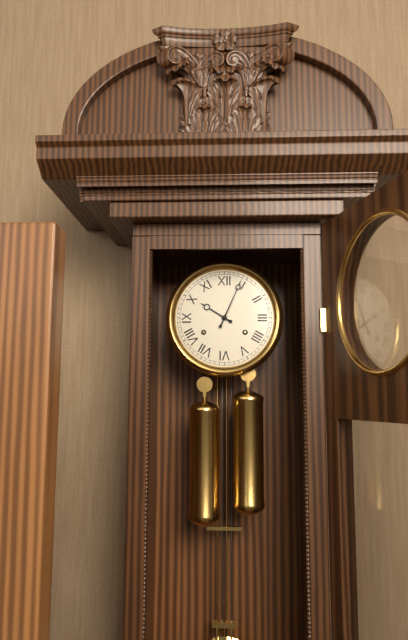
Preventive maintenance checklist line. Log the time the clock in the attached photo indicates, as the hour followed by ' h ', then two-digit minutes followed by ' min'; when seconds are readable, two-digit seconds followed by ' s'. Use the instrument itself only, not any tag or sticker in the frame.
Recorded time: 10 h 04 min
